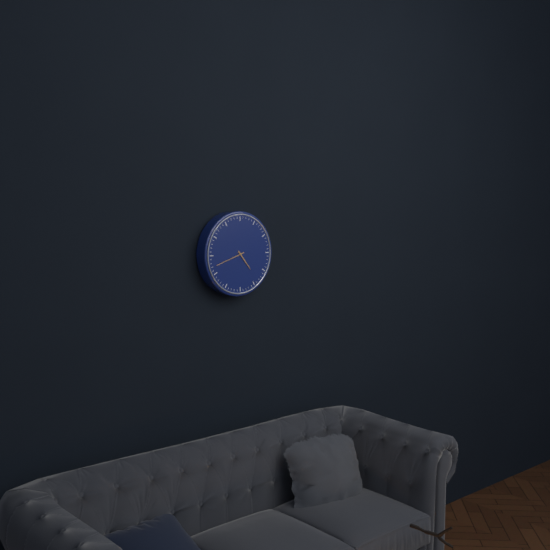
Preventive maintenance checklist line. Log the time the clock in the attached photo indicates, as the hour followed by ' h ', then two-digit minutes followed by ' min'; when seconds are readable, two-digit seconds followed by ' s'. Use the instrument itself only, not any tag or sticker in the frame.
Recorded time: 4 h 42 min
